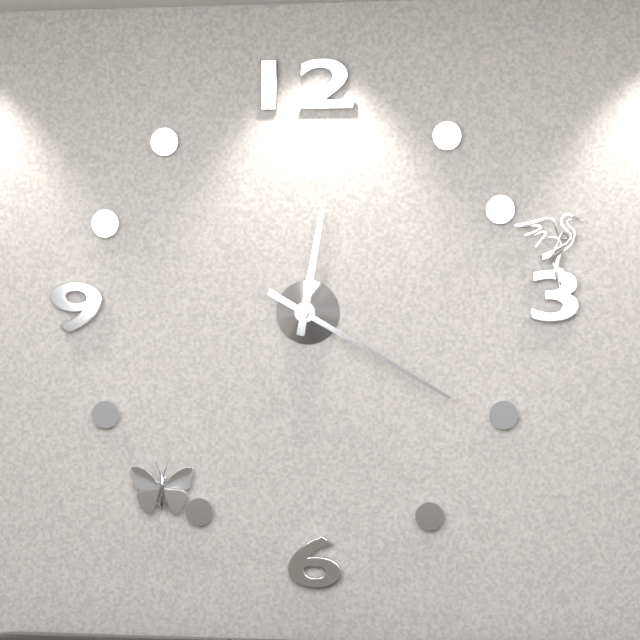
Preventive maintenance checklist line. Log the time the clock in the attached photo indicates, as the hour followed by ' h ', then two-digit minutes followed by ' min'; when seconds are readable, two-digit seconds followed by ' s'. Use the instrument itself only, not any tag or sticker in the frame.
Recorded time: 12 h 20 min
